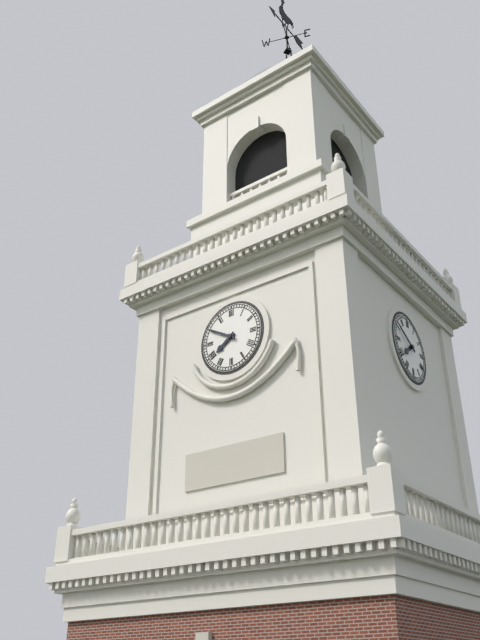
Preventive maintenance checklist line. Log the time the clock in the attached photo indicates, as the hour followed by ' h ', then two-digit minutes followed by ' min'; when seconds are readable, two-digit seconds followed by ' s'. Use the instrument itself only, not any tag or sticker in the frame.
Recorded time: 7 h 50 min
